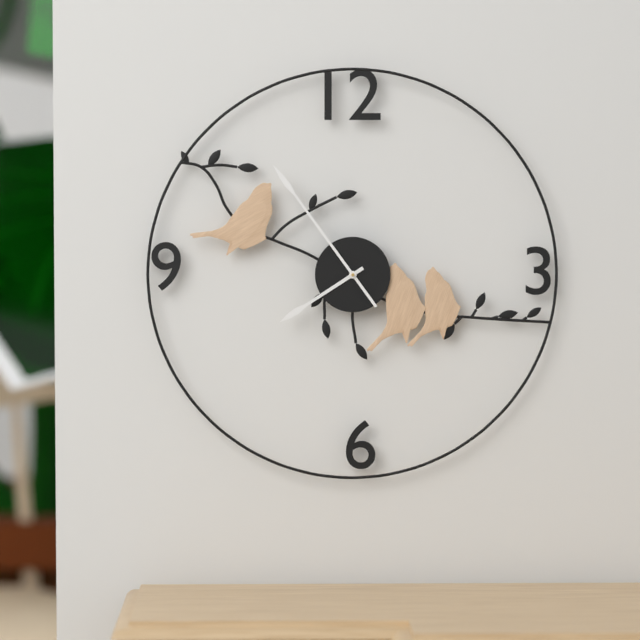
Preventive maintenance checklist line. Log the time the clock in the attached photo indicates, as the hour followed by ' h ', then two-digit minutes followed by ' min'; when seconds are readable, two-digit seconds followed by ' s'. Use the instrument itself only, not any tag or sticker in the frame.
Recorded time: 7 h 54 min
